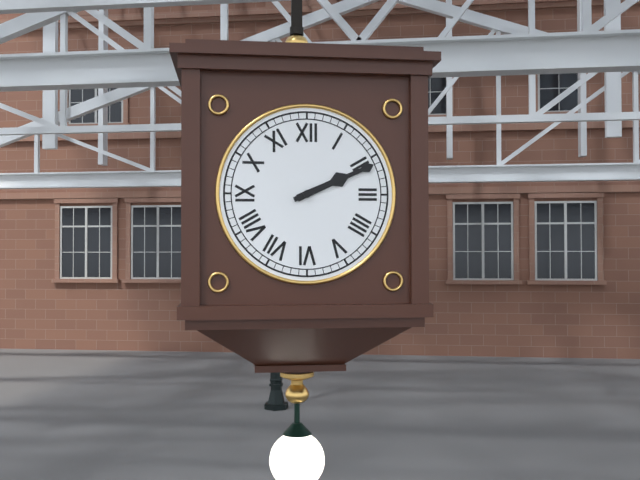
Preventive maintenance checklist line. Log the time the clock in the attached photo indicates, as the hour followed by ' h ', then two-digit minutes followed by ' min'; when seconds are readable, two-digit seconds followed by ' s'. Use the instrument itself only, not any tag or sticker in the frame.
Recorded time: 2 h 11 min
